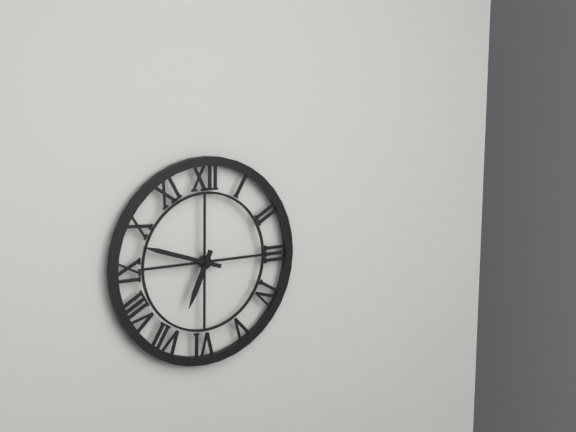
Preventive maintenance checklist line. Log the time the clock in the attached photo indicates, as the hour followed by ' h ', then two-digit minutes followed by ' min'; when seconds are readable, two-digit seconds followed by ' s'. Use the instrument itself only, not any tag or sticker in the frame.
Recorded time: 6 h 48 min
